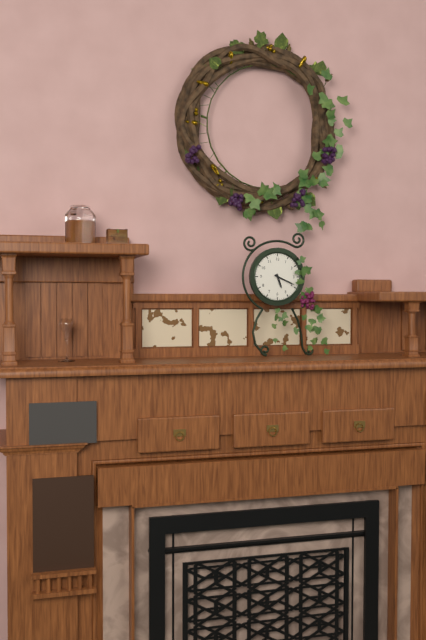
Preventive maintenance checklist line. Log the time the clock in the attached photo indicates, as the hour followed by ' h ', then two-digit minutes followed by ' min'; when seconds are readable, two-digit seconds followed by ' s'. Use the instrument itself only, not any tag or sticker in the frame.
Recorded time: 5 h 19 min
